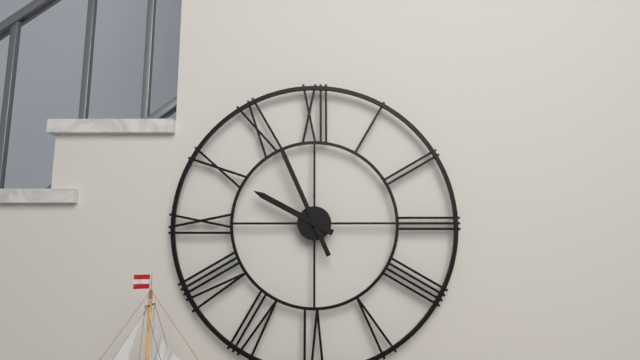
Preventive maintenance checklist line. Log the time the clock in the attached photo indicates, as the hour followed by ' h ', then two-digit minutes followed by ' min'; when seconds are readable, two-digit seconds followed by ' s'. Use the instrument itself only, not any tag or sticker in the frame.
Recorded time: 9 h 56 min
